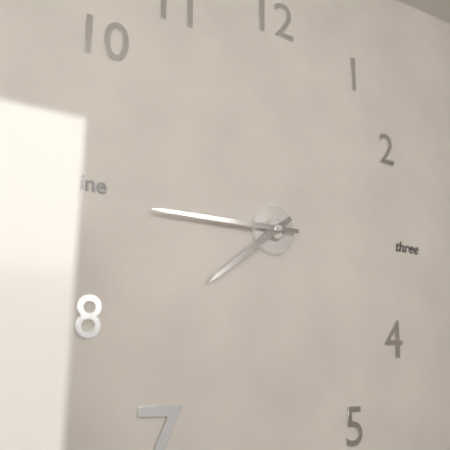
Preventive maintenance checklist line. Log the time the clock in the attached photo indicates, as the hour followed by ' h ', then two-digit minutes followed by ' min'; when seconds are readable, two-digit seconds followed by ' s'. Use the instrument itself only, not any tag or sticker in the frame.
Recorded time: 7 h 45 min
